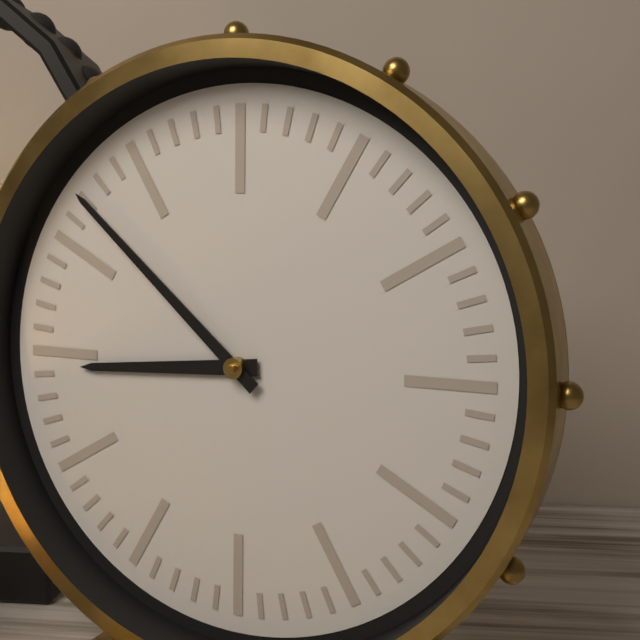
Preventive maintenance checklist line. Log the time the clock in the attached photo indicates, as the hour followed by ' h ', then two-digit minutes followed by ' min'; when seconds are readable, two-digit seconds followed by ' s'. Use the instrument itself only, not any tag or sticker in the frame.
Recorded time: 8 h 52 min
